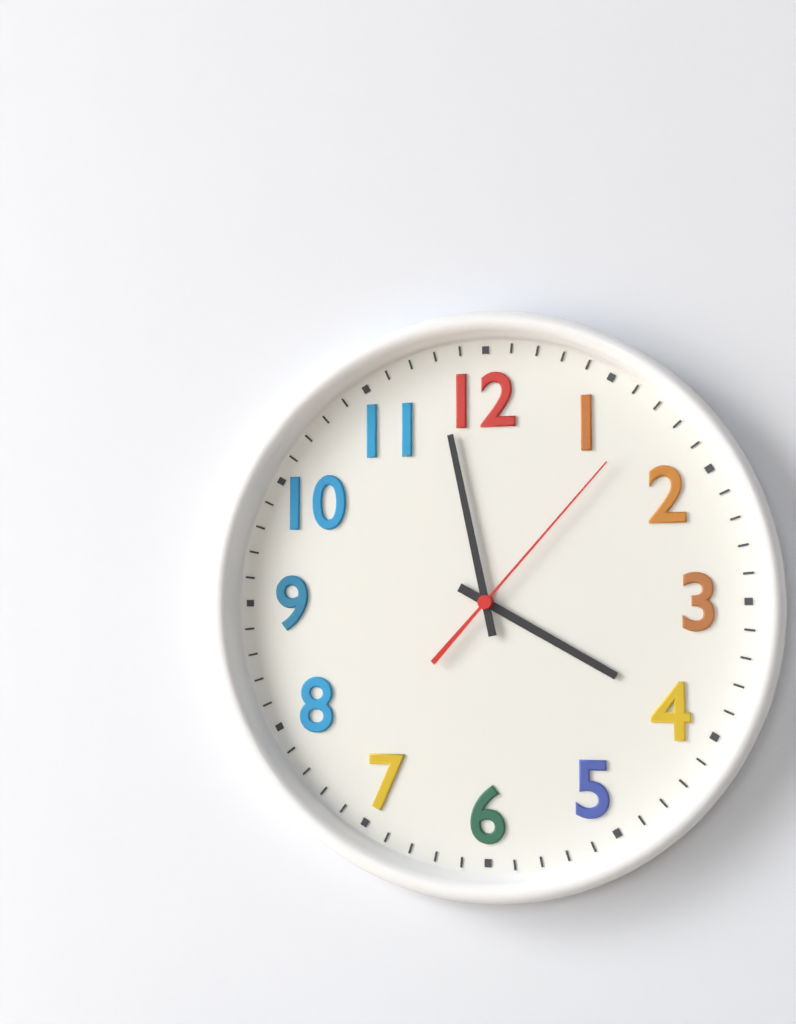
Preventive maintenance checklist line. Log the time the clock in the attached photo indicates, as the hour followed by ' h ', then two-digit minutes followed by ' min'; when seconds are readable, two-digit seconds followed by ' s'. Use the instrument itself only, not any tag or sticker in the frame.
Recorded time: 3 h 58 min 07 s
